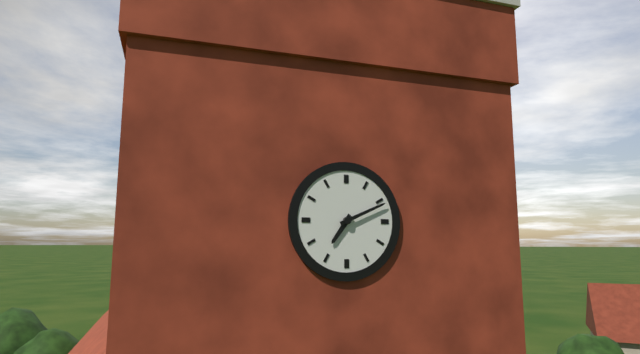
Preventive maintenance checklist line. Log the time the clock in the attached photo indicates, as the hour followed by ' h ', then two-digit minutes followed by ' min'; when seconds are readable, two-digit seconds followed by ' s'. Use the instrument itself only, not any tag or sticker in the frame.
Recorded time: 7 h 11 min
